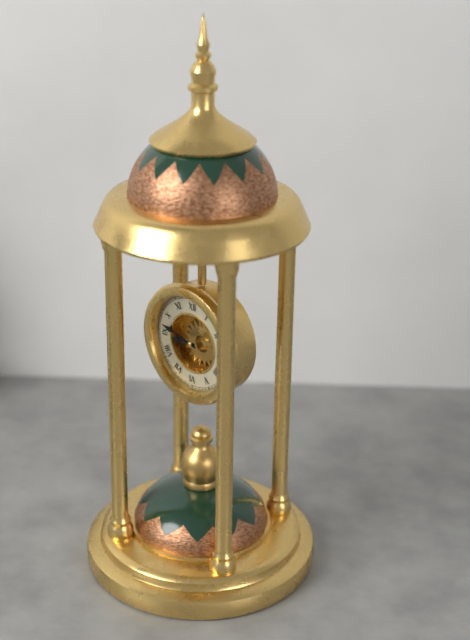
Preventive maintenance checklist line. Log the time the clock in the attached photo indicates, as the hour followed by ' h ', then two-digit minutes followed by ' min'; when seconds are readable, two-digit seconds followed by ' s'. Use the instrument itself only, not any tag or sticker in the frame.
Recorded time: 8 h 47 min
